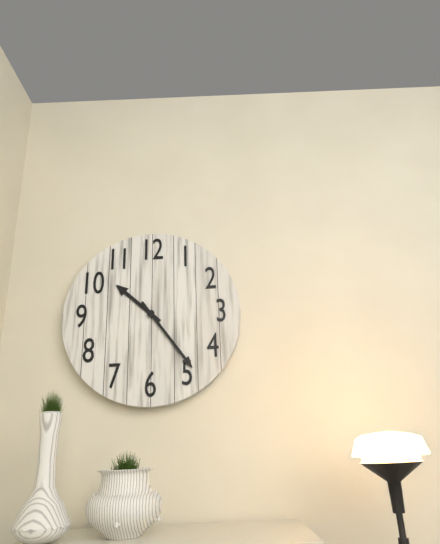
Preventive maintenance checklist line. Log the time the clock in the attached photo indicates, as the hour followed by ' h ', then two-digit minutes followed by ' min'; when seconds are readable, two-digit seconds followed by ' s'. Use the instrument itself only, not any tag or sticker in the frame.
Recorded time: 10 h 24 min
